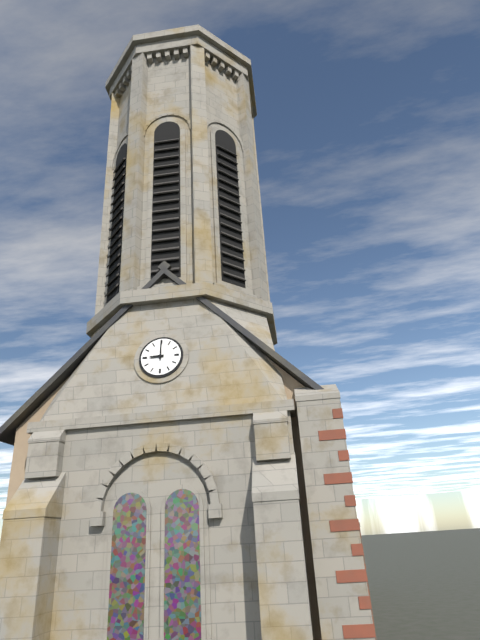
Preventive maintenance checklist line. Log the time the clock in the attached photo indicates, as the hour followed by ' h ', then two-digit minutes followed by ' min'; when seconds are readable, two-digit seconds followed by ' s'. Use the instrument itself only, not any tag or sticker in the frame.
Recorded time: 9 h 00 min
